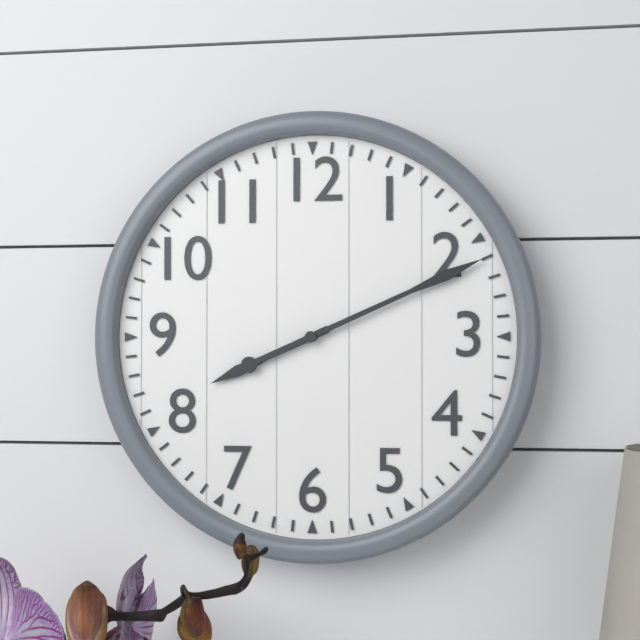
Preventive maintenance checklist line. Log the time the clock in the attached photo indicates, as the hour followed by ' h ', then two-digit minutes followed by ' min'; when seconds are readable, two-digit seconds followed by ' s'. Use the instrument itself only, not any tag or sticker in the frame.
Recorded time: 8 h 11 min
